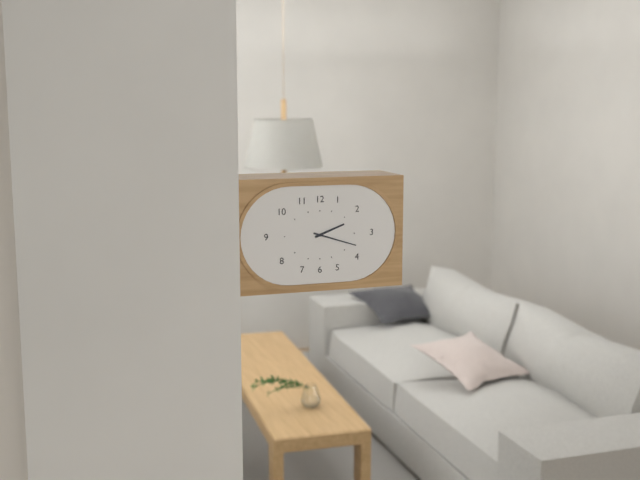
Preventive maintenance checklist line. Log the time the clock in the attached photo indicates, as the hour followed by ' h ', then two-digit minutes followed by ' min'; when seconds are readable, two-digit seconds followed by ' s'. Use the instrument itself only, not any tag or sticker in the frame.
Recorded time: 2 h 18 min
